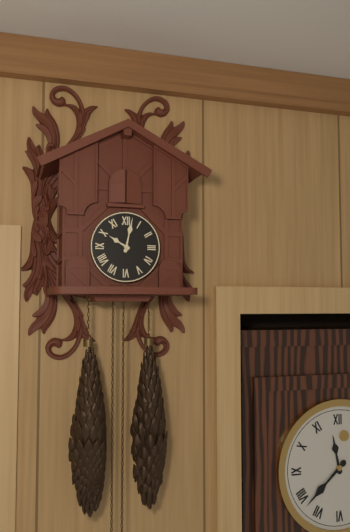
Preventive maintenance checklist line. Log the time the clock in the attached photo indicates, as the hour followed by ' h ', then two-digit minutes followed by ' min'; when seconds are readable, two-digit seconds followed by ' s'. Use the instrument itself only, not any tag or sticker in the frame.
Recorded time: 10 h 02 min
